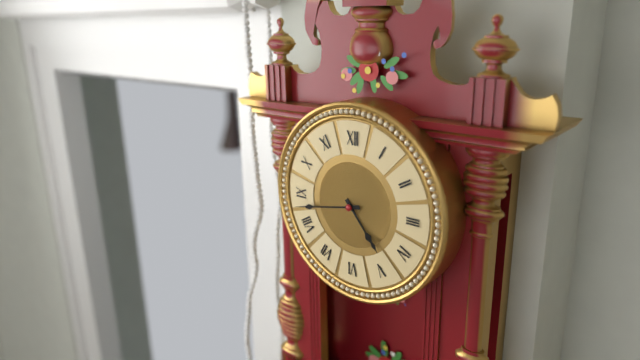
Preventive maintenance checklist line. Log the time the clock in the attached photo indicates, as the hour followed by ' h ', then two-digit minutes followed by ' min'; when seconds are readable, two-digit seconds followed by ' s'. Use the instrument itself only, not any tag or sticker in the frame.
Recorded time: 4 h 43 min
